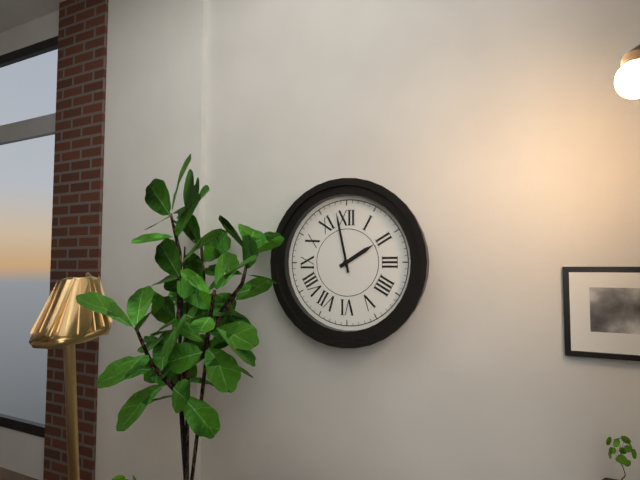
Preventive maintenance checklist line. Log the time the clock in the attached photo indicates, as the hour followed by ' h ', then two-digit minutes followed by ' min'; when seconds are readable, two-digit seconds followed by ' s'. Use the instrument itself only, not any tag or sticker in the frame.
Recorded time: 1 h 58 min
